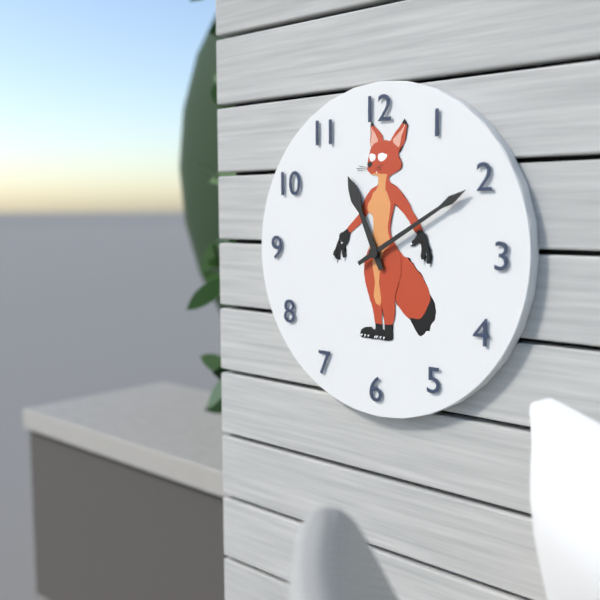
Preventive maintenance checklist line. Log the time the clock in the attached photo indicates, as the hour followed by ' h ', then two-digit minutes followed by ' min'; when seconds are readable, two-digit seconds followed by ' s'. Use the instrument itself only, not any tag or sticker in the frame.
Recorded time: 11 h 10 min
